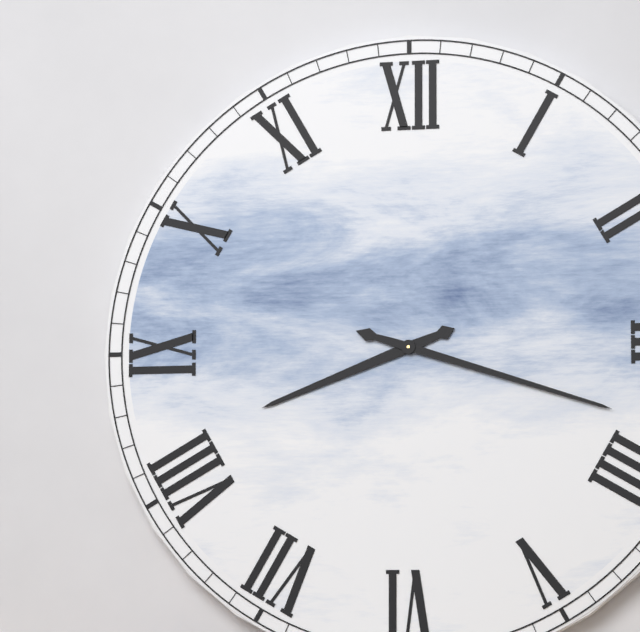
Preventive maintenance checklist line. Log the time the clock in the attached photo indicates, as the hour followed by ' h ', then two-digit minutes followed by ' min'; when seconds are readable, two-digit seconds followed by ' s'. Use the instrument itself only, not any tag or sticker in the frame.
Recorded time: 8 h 18 min
